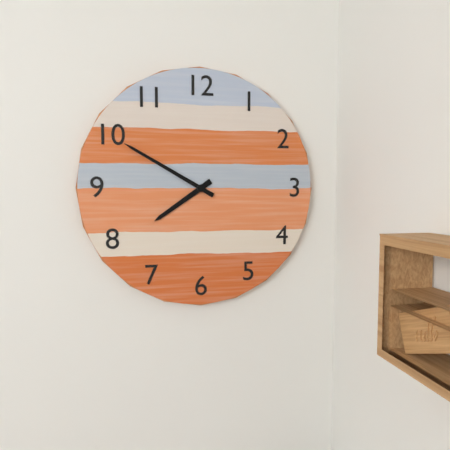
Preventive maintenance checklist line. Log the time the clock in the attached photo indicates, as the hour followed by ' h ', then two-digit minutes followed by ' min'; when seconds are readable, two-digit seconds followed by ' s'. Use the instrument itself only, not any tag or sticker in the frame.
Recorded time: 7 h 50 min
